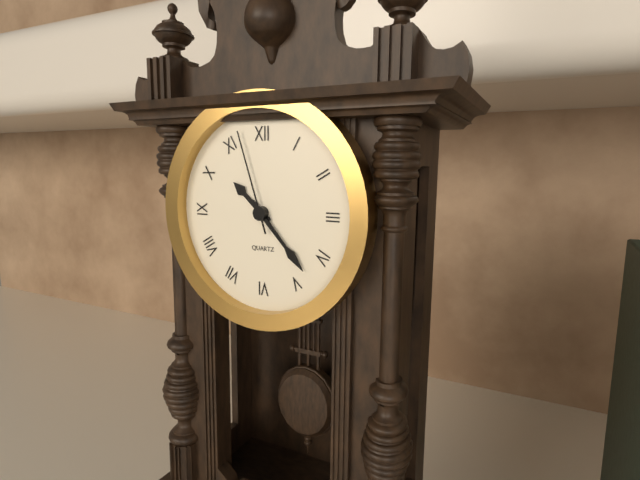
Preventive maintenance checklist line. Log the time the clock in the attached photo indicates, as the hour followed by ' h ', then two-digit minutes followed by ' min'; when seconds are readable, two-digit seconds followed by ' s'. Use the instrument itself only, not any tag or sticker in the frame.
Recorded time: 10 h 23 min 57 s
